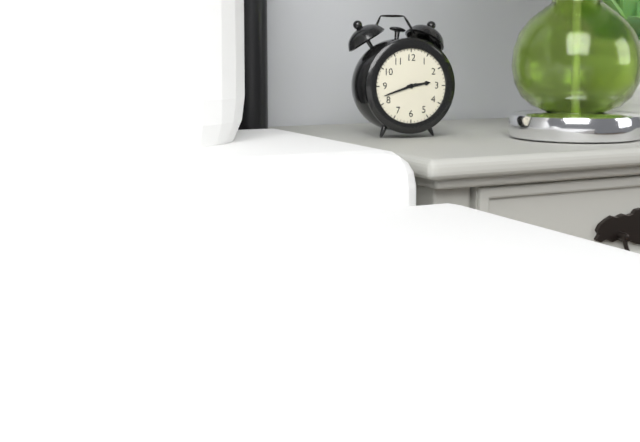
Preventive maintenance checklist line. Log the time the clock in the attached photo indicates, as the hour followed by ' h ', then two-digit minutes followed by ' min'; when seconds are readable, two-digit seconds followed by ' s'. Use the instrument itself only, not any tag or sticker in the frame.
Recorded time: 2 h 42 min
